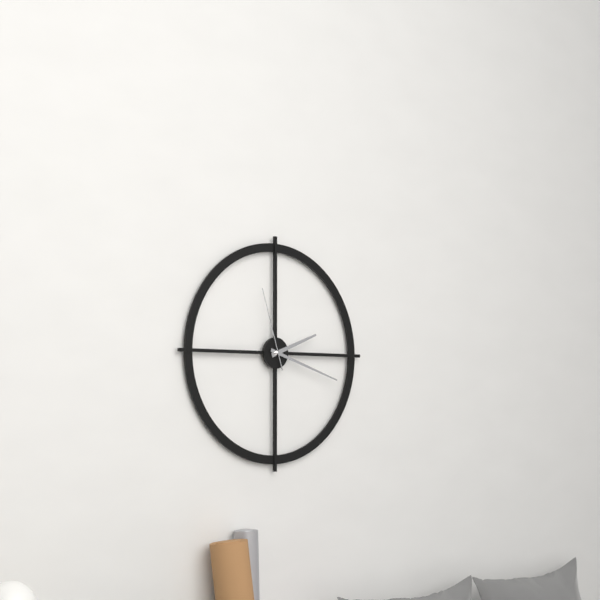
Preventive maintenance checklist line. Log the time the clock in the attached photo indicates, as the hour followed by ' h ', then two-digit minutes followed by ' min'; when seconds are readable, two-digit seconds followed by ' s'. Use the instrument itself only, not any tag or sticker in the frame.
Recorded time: 2 h 18 min 57 s
